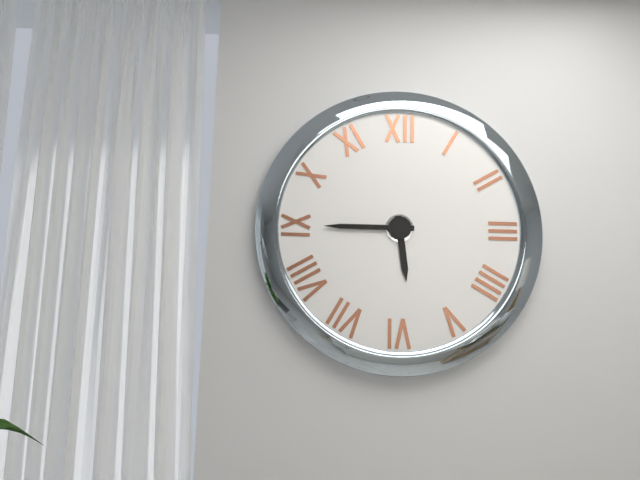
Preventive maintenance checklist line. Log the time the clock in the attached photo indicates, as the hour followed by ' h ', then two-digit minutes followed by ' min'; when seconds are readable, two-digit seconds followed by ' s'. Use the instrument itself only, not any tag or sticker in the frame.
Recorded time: 5 h 45 min
